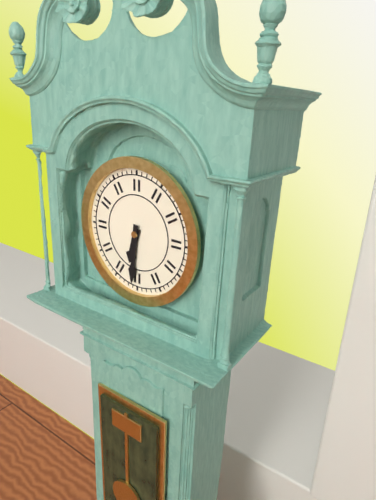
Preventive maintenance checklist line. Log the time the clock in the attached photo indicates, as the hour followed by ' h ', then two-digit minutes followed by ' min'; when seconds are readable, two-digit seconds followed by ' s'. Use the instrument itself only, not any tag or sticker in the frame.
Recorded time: 6 h 31 min
